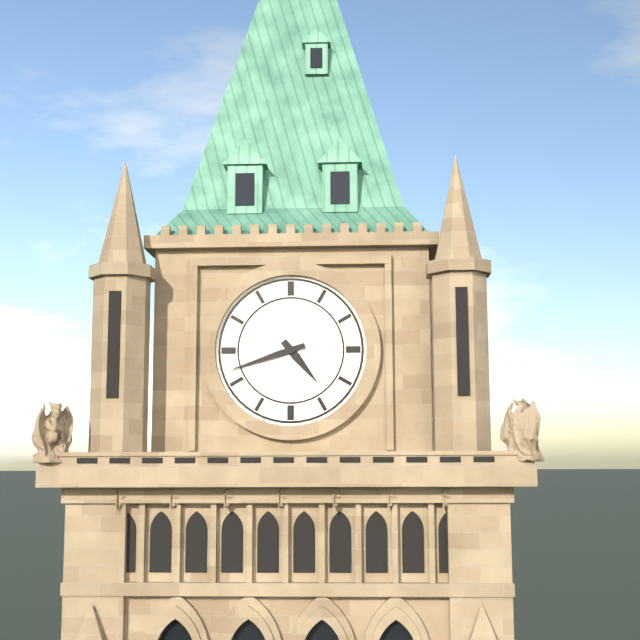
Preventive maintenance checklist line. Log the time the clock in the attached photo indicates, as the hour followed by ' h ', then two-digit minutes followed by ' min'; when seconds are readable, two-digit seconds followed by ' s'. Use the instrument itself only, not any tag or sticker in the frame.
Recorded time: 4 h 42 min
